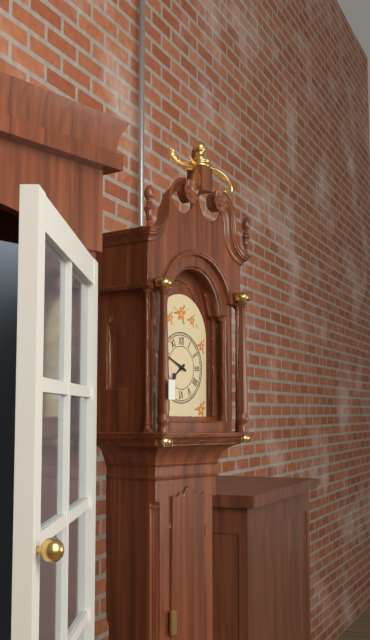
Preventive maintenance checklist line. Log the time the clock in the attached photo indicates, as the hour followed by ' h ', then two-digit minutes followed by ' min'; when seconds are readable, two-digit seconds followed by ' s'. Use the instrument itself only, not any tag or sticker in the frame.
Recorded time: 7 h 49 min
